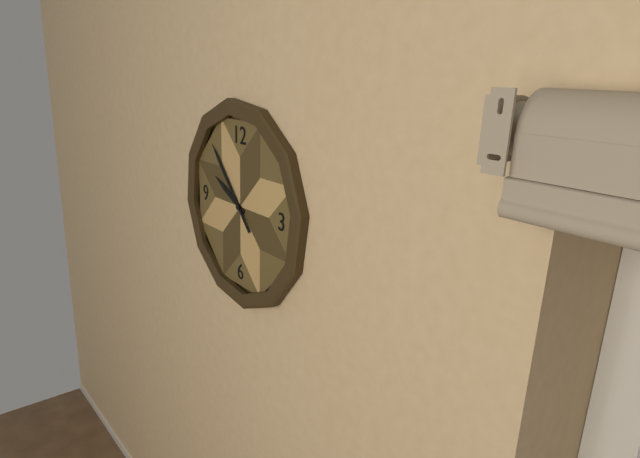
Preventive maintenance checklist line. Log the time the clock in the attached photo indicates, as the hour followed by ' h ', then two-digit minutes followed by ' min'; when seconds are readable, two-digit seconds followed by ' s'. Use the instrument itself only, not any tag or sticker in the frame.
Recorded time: 9 h 53 min
